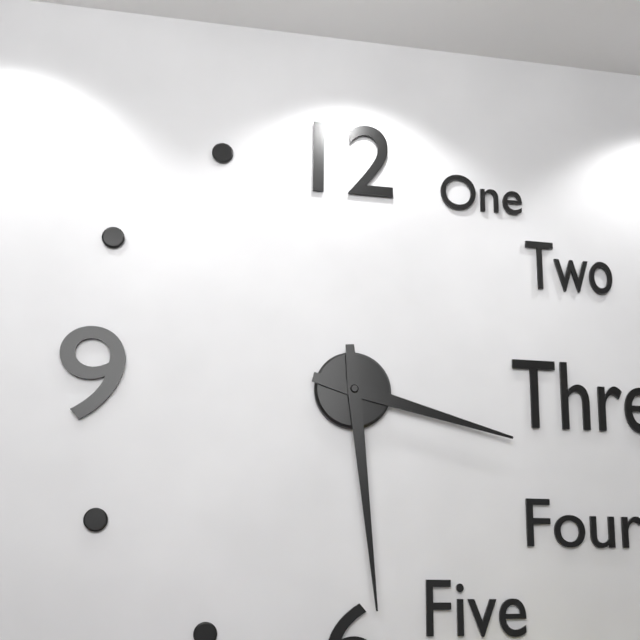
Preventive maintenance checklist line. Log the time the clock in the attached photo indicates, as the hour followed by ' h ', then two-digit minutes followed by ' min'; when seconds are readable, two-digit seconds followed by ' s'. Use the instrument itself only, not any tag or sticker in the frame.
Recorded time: 3 h 29 min
